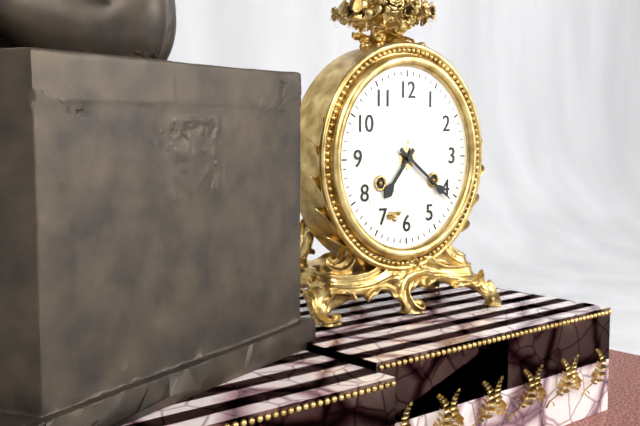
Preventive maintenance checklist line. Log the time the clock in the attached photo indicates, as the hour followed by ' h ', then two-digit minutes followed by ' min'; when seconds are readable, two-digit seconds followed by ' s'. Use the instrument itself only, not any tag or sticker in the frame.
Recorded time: 7 h 21 min
